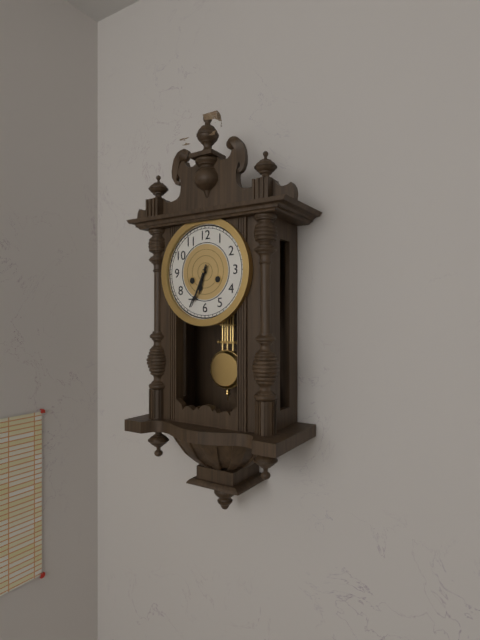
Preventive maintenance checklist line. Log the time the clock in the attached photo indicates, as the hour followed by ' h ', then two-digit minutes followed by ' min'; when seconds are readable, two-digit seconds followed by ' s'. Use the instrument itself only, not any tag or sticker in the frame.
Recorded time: 6 h 34 min
